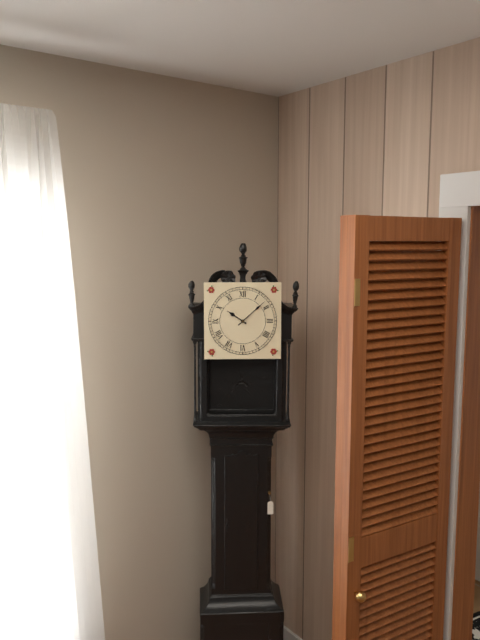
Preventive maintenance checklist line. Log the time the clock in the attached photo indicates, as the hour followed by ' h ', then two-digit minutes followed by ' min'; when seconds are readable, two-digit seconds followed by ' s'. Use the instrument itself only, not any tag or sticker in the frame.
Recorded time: 10 h 08 min
